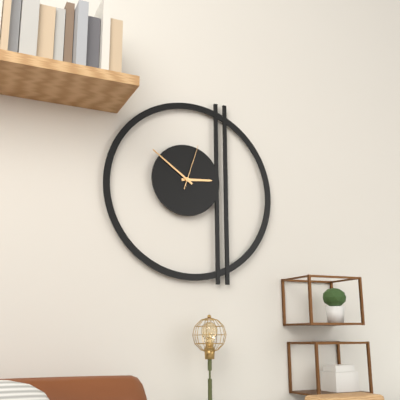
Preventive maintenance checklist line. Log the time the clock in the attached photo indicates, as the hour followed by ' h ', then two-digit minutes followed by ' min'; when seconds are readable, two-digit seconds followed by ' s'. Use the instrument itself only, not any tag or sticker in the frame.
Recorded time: 2 h 51 min
